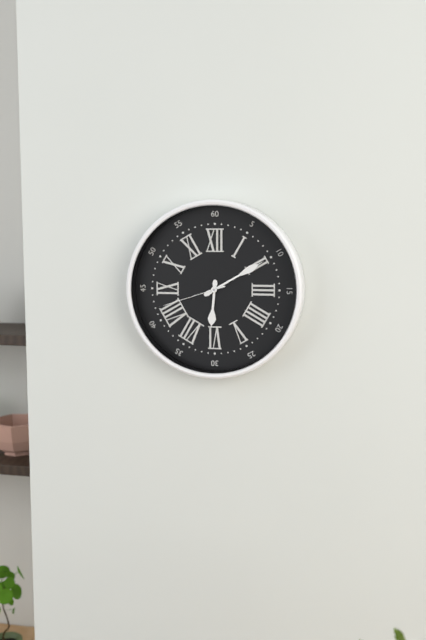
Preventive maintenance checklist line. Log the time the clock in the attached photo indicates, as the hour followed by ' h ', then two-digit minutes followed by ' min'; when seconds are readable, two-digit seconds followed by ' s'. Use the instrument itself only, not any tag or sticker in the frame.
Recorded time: 6 h 10 min 42 s
